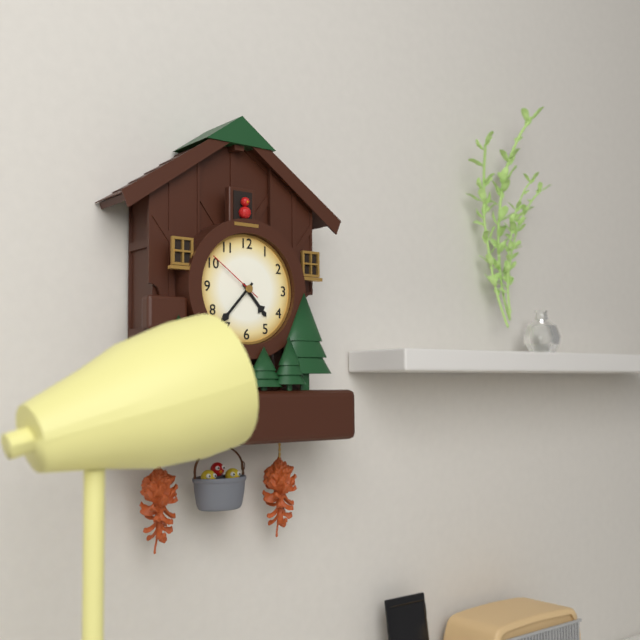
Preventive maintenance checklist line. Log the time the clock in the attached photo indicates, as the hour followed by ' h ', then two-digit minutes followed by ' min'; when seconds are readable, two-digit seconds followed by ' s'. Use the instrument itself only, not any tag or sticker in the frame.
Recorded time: 4 h 37 min 51 s
